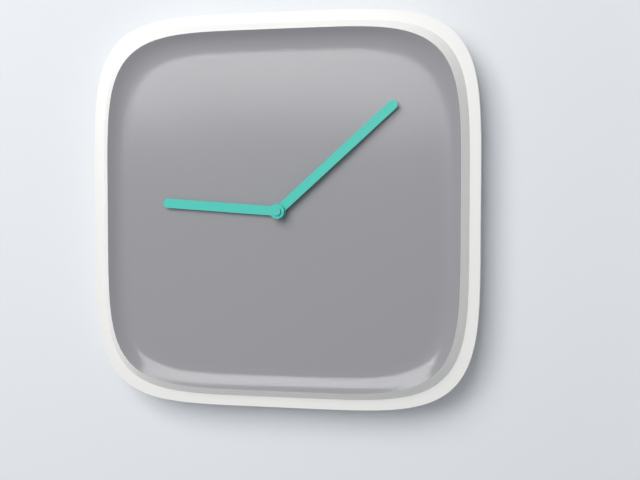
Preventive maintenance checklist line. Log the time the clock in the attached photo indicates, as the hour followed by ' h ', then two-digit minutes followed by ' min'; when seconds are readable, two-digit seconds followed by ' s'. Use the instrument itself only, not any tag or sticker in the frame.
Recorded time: 9 h 08 min
